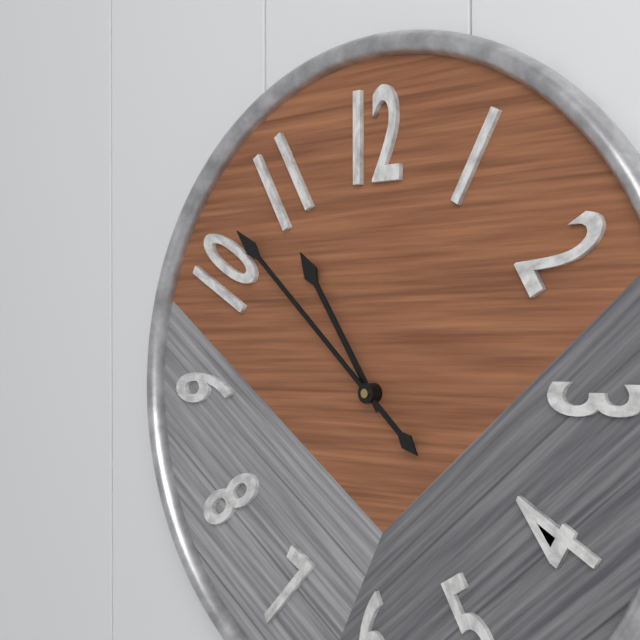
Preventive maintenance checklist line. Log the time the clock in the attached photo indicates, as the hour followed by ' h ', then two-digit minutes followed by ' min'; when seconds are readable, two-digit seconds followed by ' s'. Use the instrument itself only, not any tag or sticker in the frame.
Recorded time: 10 h 52 min
